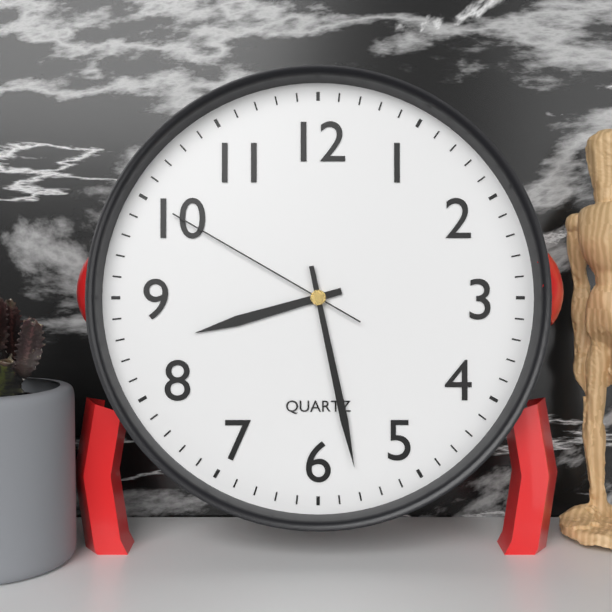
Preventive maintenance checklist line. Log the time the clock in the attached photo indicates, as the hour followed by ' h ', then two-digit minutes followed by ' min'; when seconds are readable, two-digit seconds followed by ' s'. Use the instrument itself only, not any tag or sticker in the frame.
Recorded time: 8 h 28 min 50 s
